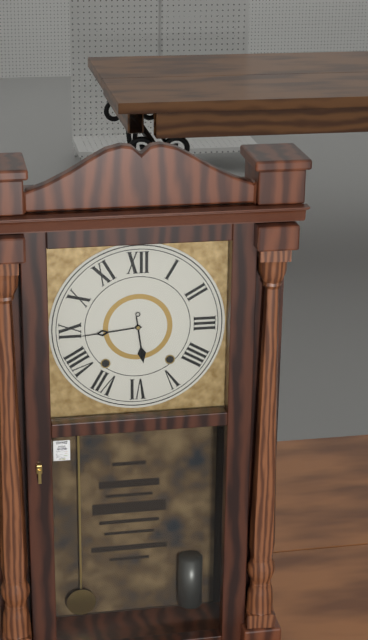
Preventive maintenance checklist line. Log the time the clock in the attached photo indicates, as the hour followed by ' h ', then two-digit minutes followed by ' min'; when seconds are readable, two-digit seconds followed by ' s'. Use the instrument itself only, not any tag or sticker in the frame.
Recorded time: 5 h 44 min
